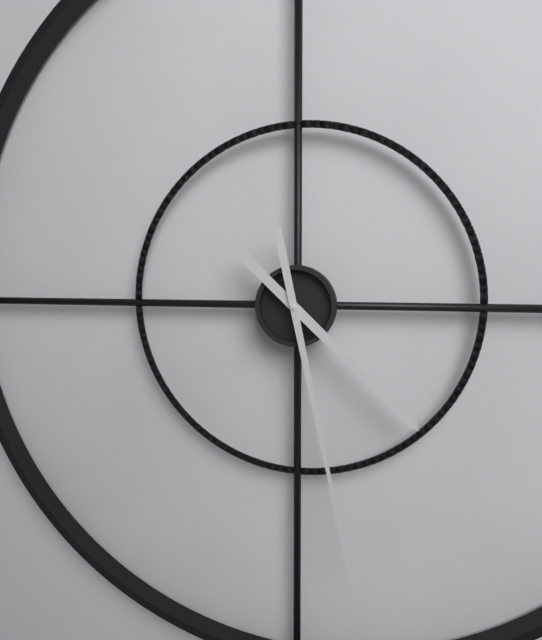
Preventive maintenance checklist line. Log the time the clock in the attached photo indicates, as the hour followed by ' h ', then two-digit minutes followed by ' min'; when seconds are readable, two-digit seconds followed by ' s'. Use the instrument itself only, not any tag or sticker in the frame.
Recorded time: 4 h 28 min
